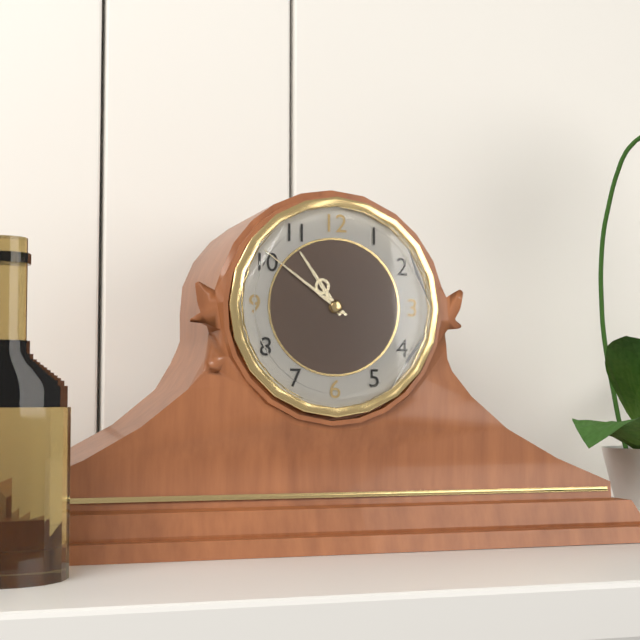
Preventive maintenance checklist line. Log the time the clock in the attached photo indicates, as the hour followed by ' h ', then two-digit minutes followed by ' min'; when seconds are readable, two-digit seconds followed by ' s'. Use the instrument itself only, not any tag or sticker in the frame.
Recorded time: 10 h 51 min
